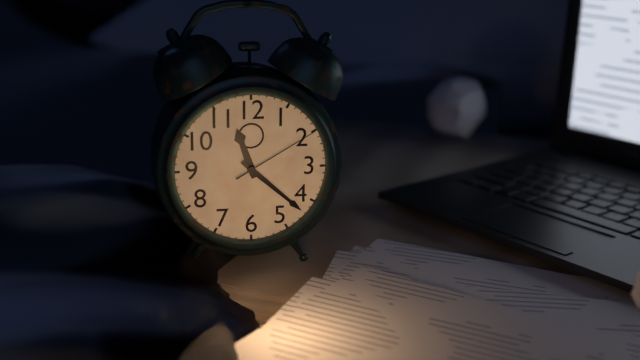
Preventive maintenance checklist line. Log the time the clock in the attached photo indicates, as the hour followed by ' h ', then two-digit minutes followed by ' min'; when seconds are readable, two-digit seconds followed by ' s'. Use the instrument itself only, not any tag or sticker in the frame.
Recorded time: 11 h 22 min 10 s
